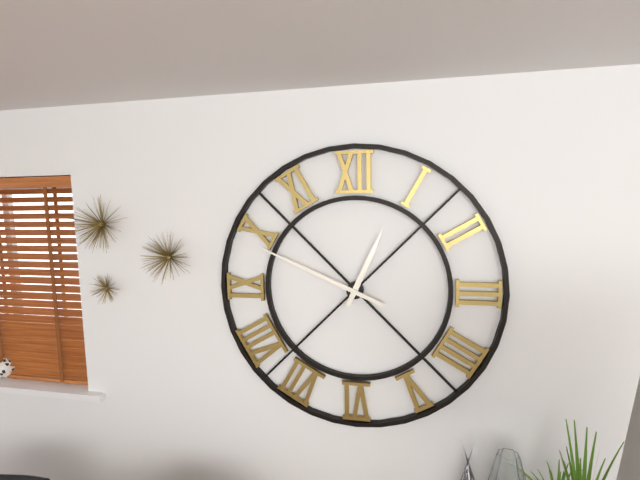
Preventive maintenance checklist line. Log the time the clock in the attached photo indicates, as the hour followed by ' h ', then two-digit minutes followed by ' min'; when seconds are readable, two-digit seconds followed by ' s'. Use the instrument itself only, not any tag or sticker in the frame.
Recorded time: 12 h 49 min
